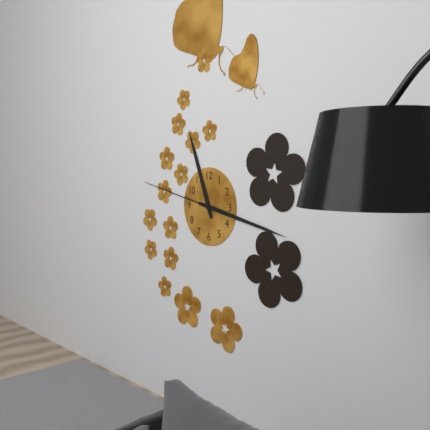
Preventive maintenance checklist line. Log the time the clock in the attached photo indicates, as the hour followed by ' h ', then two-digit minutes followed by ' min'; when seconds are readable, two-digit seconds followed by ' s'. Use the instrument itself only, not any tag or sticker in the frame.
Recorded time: 11 h 17 min 47 s
